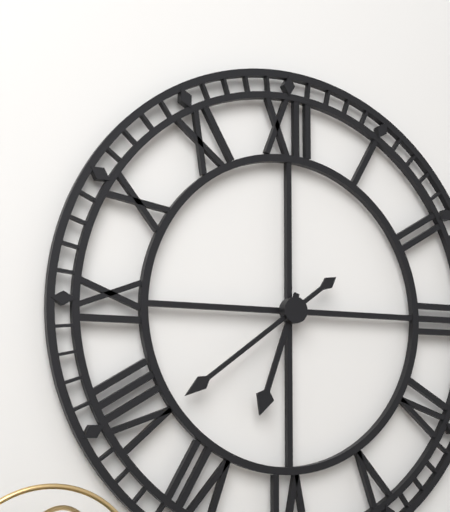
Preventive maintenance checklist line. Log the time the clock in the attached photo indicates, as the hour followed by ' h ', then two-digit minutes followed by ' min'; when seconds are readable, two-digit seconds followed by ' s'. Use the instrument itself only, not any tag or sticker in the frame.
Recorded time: 6 h 39 min
